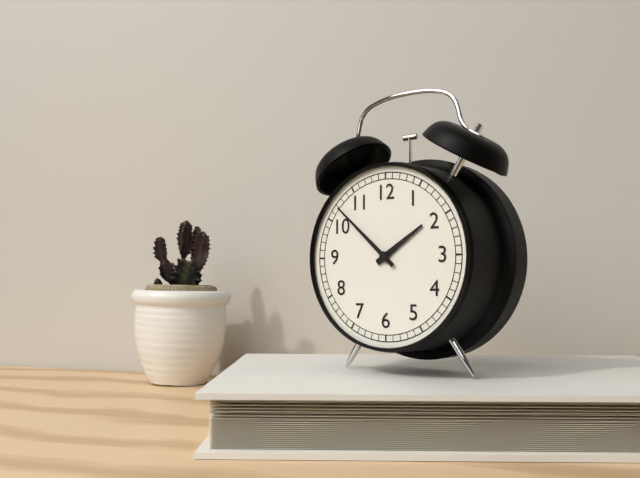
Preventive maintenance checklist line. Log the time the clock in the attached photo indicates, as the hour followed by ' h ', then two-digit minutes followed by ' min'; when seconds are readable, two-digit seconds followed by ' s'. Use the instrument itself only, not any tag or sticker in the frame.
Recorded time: 1 h 52 min
